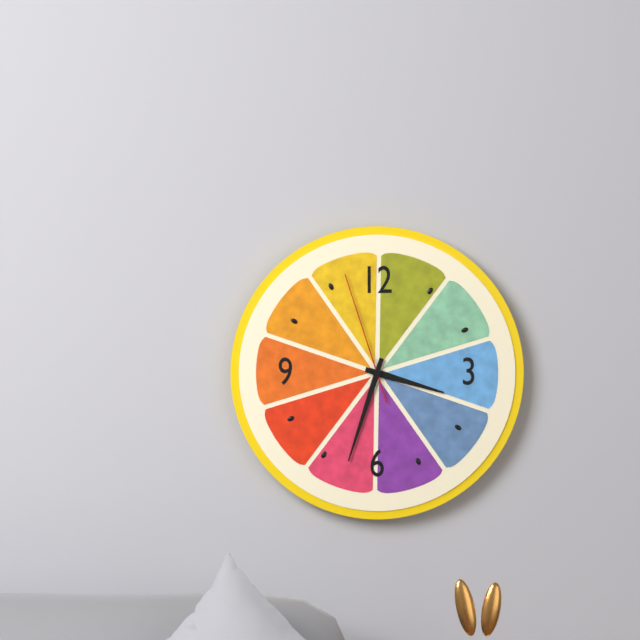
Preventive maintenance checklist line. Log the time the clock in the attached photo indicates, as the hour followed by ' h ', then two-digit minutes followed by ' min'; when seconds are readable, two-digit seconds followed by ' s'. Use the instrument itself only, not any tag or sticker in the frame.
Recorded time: 3 h 33 min 57 s
